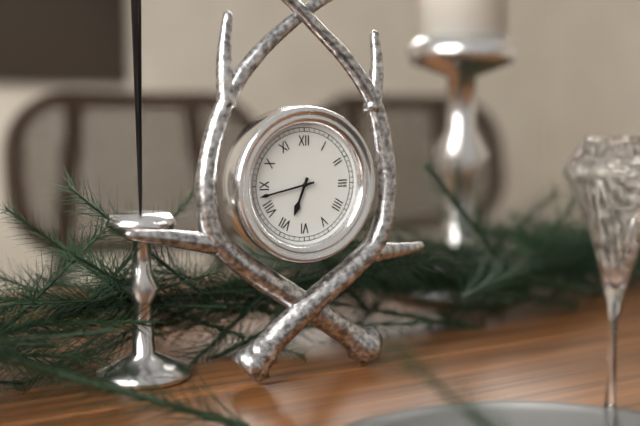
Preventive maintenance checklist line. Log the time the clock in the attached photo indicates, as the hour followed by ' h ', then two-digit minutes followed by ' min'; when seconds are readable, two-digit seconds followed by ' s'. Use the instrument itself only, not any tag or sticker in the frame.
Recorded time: 6 h 43 min
